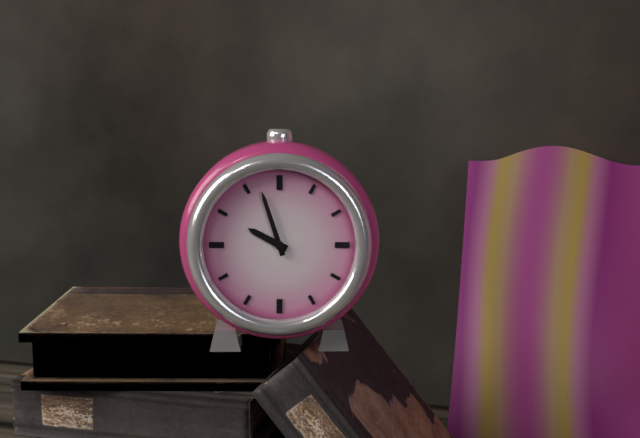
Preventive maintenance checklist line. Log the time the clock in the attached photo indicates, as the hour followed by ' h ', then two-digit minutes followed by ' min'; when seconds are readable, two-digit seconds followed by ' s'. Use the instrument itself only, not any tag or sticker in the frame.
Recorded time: 9 h 57 min
